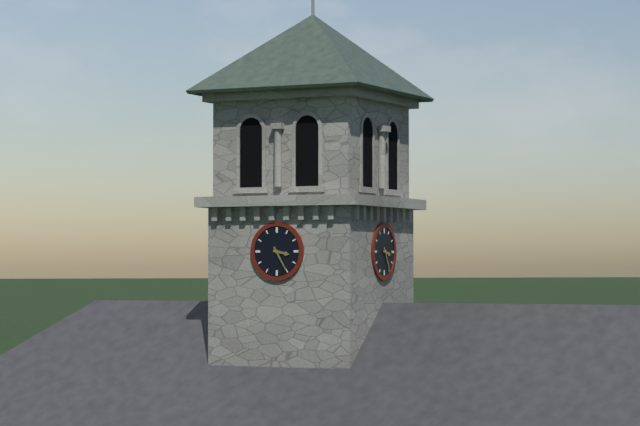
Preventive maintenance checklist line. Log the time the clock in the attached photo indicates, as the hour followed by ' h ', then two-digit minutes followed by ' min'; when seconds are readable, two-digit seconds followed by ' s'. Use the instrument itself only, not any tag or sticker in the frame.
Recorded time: 3 h 25 min
